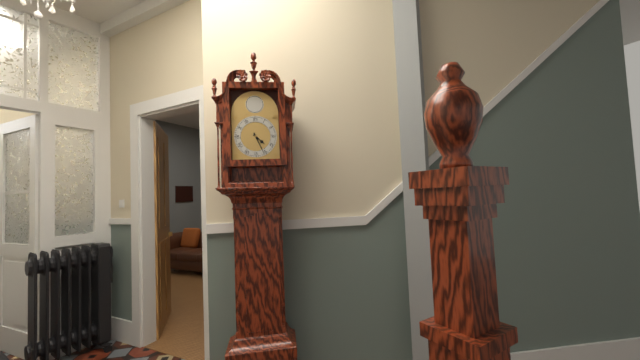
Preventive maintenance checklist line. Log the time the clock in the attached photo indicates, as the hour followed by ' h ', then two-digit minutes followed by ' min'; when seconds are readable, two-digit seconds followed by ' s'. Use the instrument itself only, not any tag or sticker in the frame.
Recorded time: 4 h 26 min
